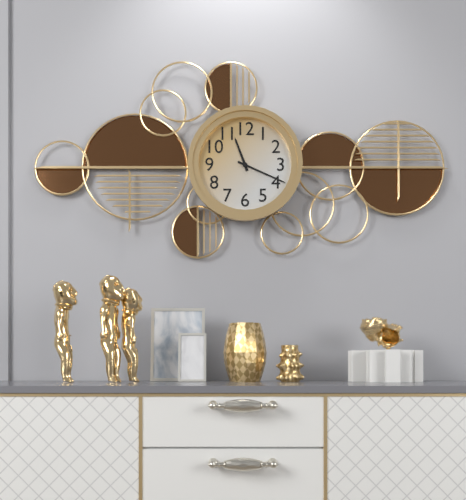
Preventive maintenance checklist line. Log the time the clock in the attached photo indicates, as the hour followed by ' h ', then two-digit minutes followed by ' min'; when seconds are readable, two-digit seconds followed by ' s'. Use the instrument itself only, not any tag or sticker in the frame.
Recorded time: 11 h 19 min
